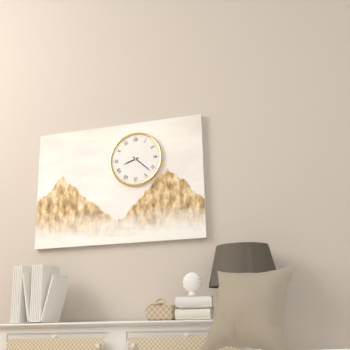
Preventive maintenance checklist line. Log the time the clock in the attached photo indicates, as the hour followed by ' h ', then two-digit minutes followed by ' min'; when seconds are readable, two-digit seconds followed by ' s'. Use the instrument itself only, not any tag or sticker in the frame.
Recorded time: 8 h 22 min
